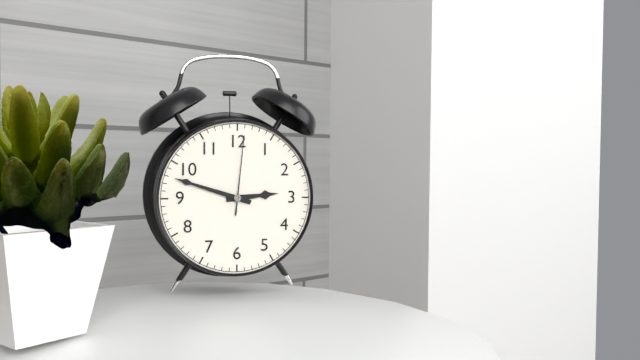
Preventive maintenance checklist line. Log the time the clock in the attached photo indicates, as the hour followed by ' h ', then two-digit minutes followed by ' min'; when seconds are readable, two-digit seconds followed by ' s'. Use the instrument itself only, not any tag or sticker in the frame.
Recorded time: 2 h 48 min 01 s
